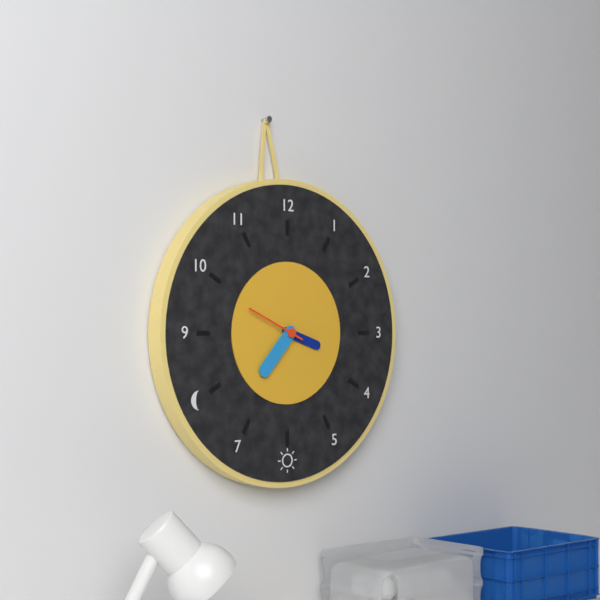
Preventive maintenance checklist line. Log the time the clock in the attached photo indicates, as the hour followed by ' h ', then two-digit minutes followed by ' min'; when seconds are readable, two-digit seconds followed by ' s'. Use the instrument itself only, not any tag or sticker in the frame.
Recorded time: 3 h 37 min 49 s
